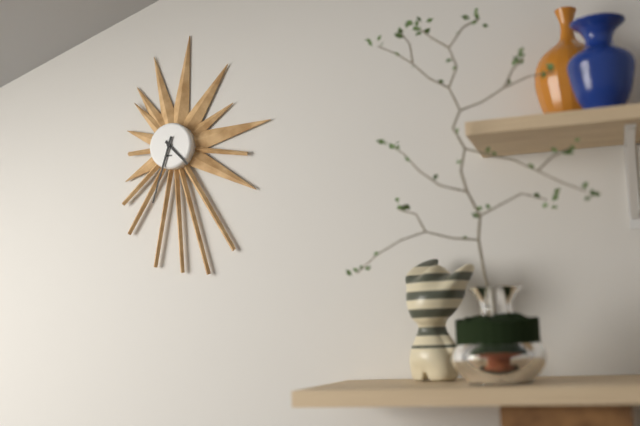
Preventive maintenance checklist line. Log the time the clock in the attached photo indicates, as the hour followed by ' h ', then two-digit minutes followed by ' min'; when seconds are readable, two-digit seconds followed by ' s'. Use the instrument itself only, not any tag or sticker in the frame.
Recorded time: 4 h 33 min
